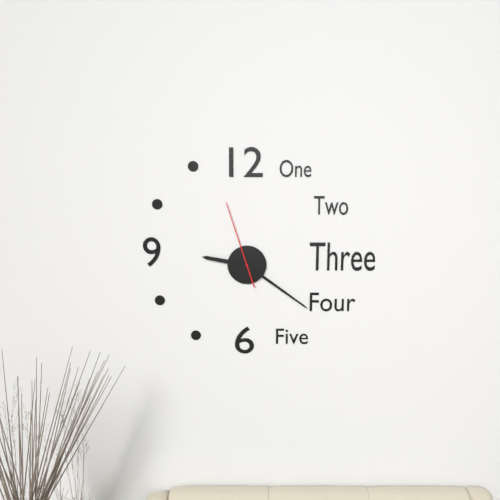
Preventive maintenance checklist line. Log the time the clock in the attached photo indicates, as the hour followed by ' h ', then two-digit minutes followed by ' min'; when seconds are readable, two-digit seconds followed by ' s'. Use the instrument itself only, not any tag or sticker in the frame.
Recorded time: 9 h 21 min 57 s
